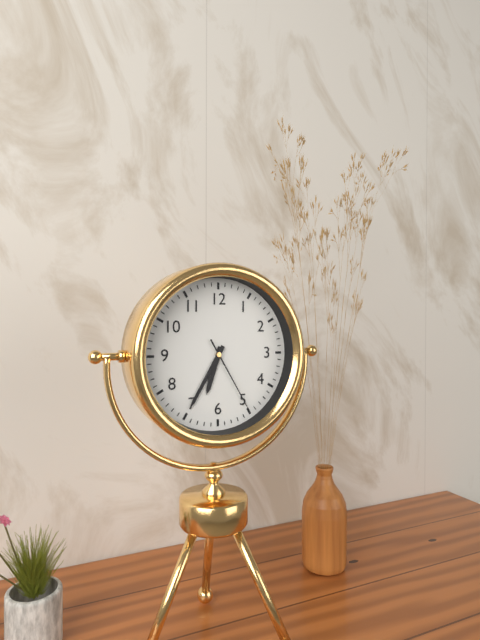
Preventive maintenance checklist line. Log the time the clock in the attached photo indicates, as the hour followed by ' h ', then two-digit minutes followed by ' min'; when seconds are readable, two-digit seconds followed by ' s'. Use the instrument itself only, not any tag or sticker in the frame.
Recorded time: 6 h 35 min 25 s
